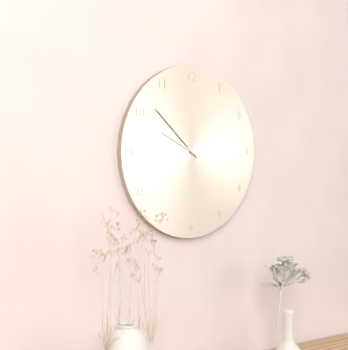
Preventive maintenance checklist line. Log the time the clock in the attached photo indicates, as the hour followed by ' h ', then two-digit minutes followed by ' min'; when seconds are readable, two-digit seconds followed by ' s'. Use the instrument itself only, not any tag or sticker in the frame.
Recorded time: 9 h 52 min
